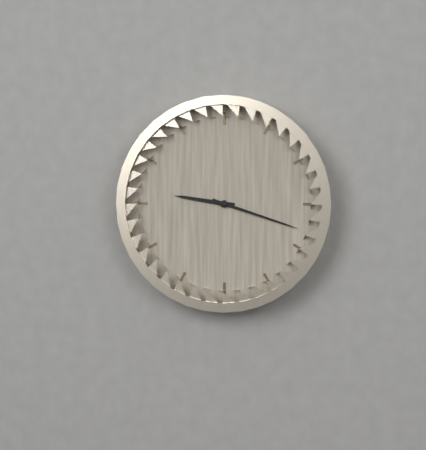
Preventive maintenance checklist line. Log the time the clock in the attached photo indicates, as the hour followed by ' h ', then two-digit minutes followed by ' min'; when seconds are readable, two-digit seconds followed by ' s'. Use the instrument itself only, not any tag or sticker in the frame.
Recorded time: 9 h 18 min
